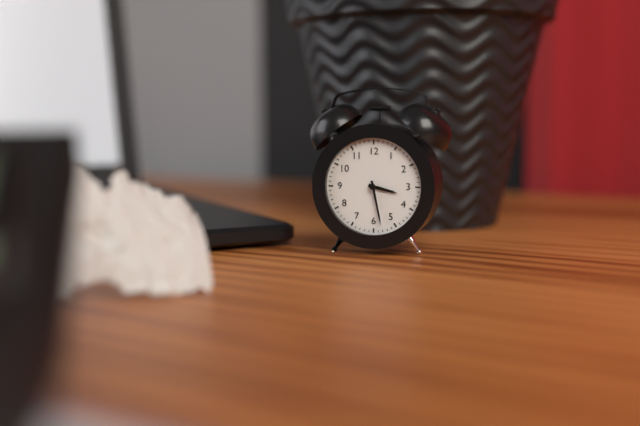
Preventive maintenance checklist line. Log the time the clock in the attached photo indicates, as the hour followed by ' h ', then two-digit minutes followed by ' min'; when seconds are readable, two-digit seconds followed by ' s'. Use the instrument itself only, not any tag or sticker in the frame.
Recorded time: 3 h 28 min
